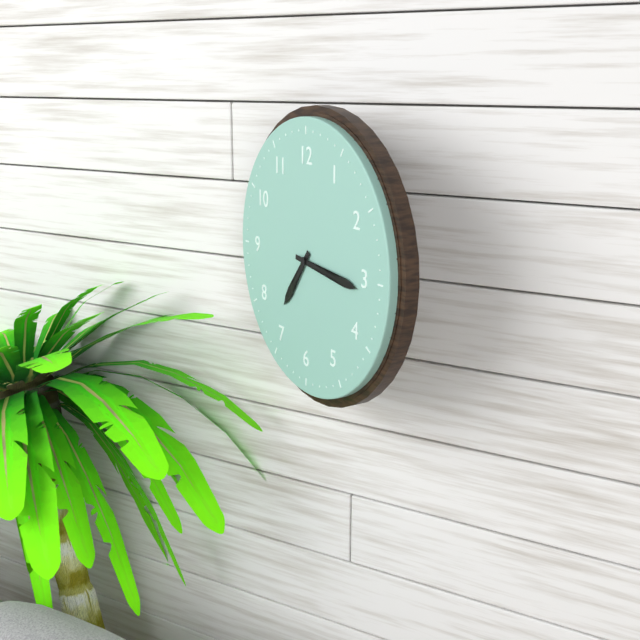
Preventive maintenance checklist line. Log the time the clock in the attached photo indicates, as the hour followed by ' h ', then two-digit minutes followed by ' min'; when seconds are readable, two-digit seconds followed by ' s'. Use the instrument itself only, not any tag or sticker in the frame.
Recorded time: 7 h 16 min
